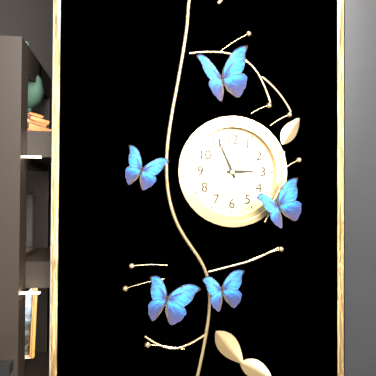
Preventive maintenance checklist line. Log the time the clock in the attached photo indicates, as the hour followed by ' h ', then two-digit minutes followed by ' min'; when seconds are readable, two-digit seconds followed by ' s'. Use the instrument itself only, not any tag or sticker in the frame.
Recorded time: 2 h 56 min
